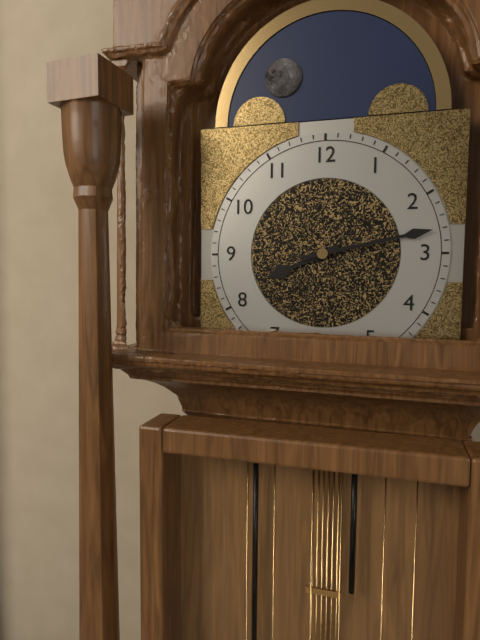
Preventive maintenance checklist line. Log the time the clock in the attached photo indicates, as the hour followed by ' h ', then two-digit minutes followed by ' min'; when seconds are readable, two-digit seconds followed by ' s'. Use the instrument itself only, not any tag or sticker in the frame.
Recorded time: 8 h 13 min
